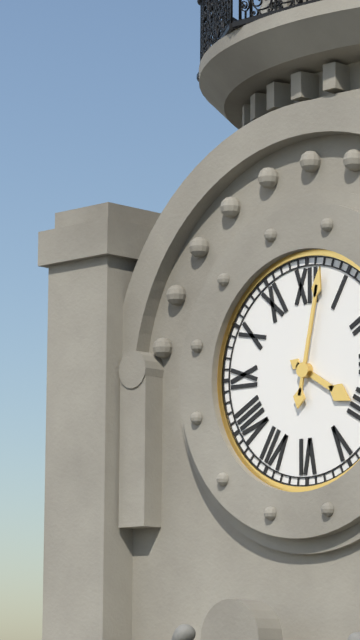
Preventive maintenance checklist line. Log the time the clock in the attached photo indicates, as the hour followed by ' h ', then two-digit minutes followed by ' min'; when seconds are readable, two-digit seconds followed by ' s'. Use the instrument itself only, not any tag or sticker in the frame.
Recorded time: 4 h 02 min
